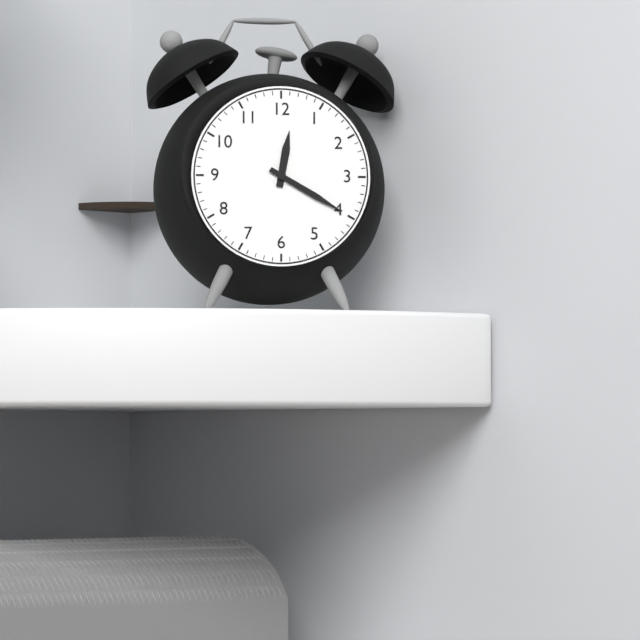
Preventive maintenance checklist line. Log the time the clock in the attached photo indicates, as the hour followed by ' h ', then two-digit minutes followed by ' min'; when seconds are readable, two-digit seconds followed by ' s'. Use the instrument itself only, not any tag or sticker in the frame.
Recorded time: 12 h 20 min
